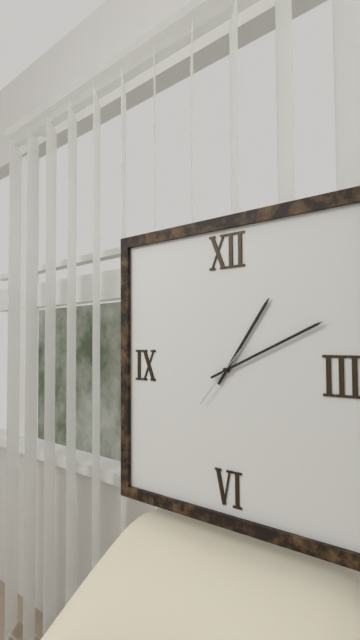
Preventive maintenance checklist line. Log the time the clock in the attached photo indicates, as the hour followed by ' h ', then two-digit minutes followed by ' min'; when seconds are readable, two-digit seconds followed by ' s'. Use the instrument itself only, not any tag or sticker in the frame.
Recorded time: 1 h 11 min 37 s
